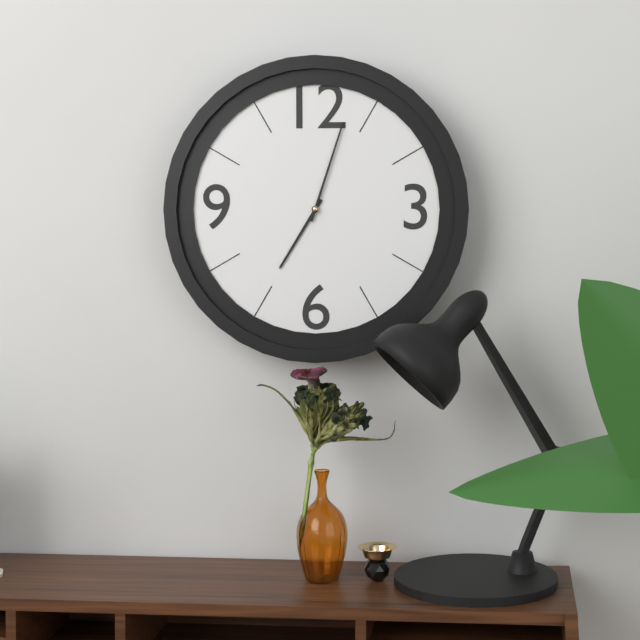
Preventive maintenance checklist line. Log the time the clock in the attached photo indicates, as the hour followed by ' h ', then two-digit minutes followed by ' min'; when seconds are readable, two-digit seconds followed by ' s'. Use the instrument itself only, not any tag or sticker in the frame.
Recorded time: 7 h 03 min
